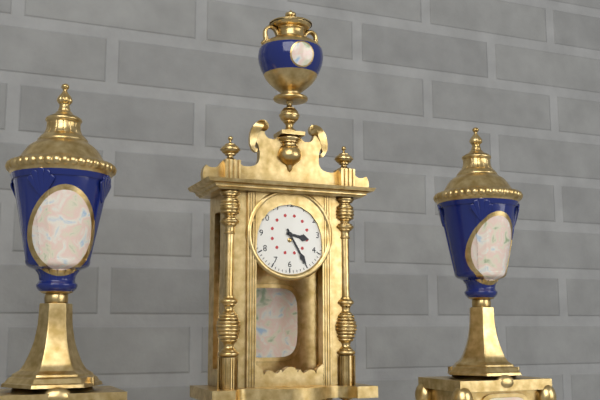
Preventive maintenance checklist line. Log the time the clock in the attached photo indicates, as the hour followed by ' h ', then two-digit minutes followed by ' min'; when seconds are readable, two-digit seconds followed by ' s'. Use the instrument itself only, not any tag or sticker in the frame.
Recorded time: 3 h 25 min
